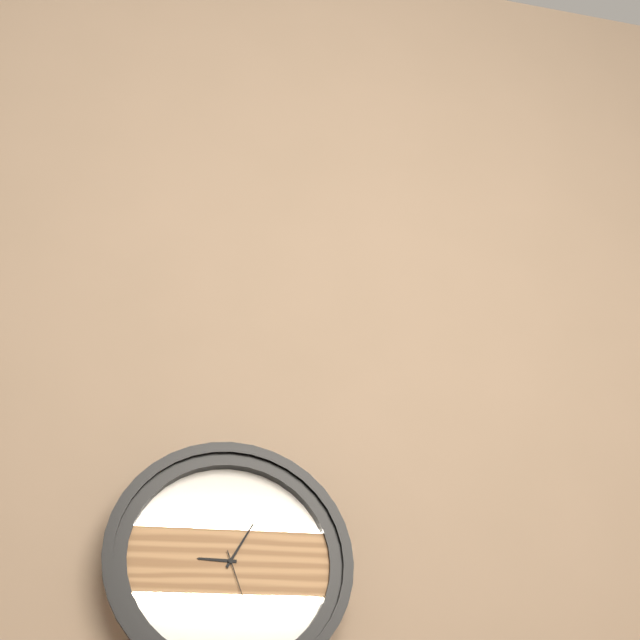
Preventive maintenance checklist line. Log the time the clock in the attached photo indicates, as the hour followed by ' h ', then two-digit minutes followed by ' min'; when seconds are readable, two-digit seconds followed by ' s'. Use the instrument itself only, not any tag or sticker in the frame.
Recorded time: 9 h 05 min 27 s
